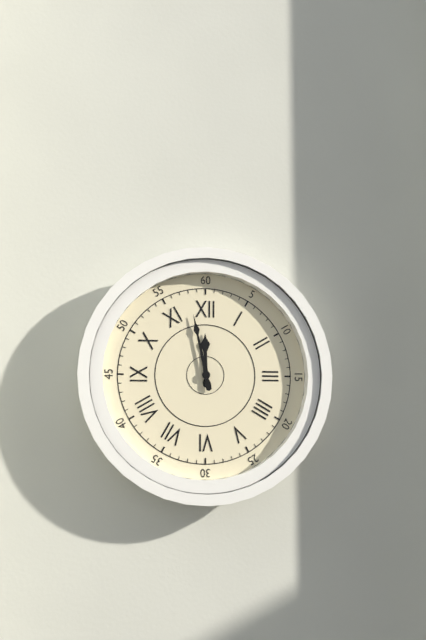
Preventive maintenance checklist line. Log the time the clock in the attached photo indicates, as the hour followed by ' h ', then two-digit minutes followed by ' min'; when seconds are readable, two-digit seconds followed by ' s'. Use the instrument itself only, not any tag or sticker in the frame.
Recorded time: 11 h 58 min
